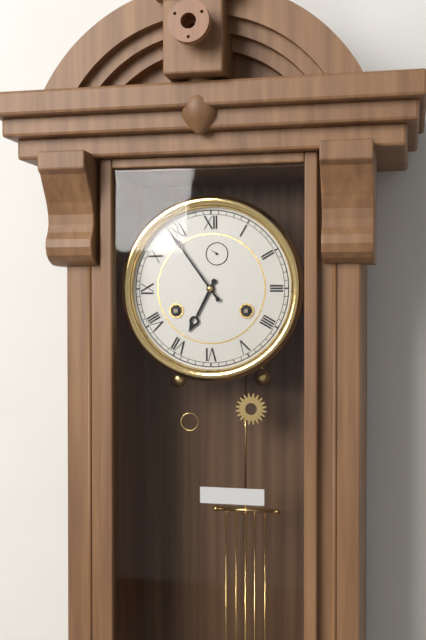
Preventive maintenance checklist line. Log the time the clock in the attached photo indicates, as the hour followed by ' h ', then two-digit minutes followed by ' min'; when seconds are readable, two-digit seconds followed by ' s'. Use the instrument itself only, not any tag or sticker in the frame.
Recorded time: 6 h 54 min
